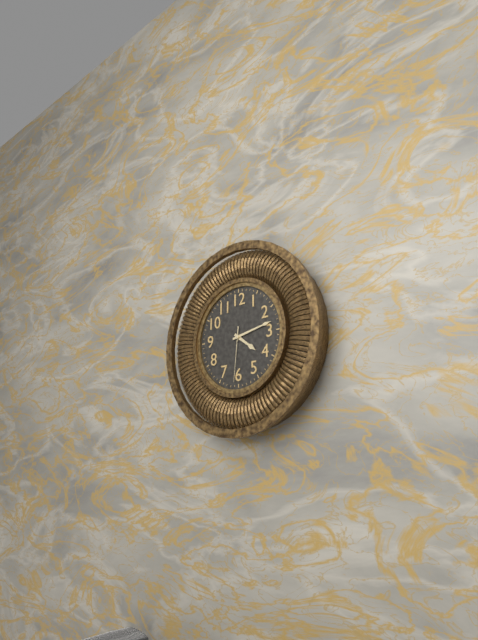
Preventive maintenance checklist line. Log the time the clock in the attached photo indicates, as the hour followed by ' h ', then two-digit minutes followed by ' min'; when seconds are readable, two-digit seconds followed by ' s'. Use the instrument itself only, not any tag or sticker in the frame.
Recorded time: 4 h 13 min 31 s
